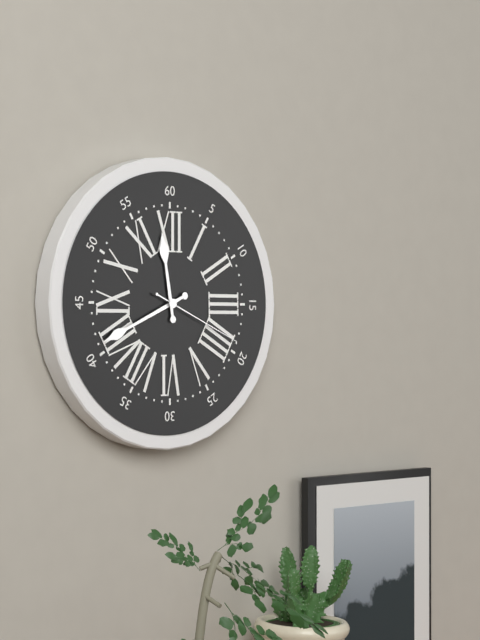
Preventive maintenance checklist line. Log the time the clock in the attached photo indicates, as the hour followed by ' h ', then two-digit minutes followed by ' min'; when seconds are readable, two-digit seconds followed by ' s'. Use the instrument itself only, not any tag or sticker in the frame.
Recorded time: 11 h 41 min 19 s
